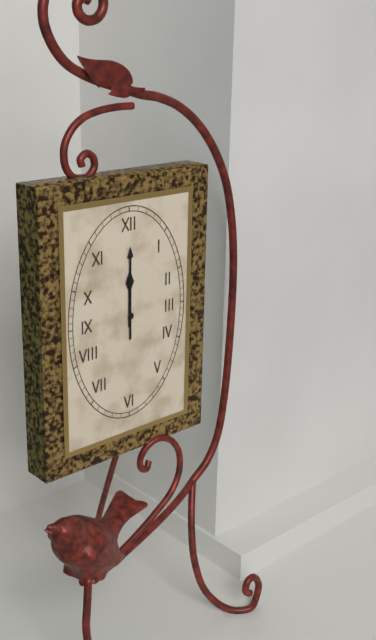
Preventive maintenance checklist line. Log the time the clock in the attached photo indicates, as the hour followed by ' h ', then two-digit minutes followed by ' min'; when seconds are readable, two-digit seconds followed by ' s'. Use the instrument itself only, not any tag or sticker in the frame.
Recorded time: 12 h 00 min
